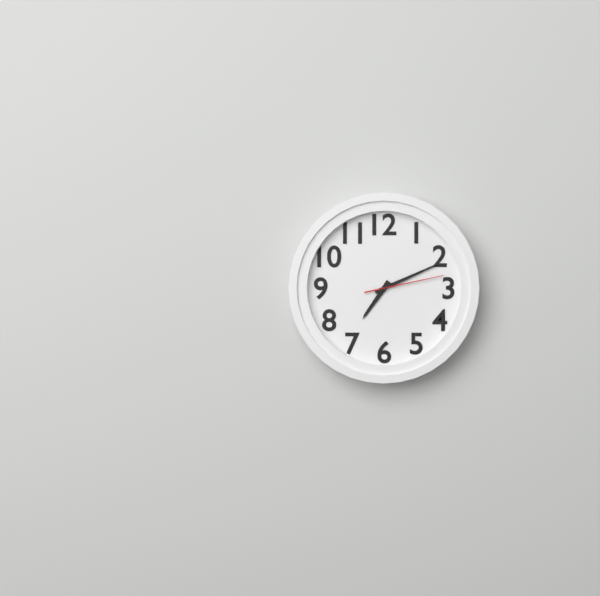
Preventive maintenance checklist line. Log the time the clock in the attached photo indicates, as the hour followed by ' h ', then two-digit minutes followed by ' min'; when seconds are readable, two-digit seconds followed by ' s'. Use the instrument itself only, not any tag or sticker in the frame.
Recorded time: 7 h 11 min 13 s
